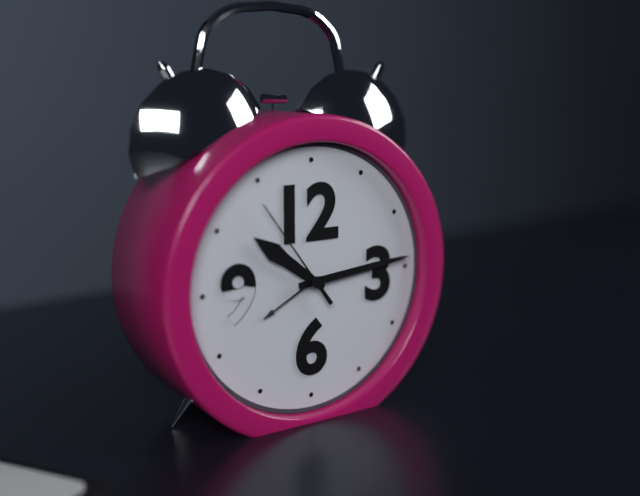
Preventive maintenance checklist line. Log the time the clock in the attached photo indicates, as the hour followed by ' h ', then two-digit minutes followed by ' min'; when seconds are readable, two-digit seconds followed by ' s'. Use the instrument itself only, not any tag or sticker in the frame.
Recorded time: 10 h 14 min 54 s
